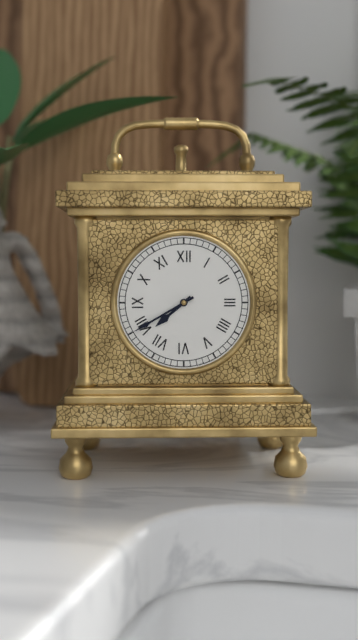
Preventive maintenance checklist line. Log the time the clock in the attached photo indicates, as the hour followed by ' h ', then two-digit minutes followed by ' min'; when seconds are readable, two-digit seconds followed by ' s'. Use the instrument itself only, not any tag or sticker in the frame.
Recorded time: 7 h 40 min
